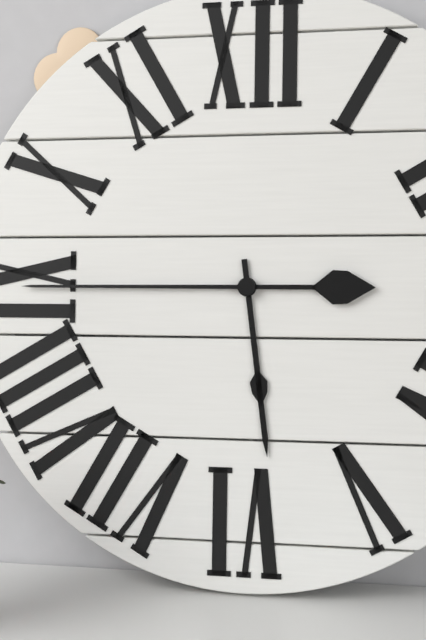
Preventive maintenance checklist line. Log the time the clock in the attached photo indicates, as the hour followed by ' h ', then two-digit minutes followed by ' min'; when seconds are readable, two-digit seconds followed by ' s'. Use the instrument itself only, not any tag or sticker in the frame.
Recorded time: 5 h 45 min
